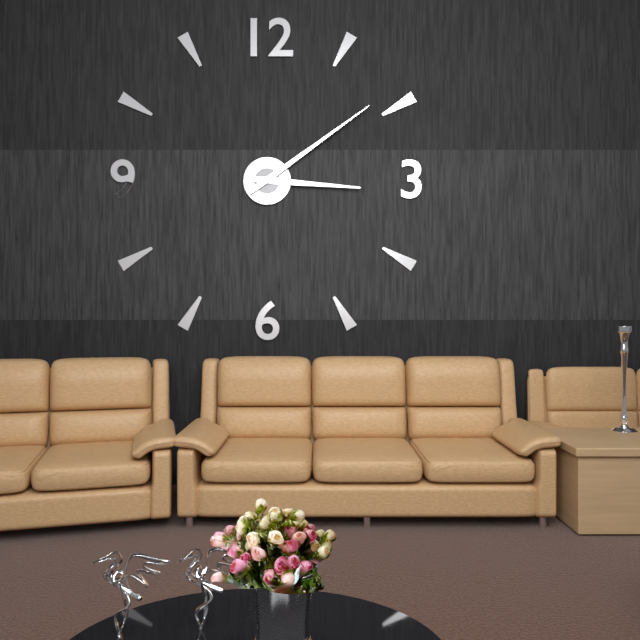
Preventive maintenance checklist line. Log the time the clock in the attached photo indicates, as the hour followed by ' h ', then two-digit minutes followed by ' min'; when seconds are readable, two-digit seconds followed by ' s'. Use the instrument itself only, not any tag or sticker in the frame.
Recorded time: 3 h 09 min
